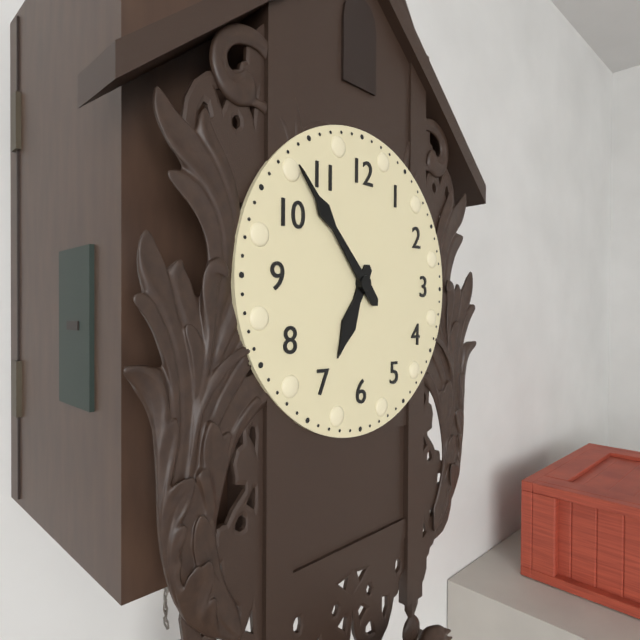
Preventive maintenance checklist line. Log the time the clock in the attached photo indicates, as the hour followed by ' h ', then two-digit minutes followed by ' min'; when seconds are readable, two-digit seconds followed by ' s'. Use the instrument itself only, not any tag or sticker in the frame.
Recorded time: 6 h 53 min
